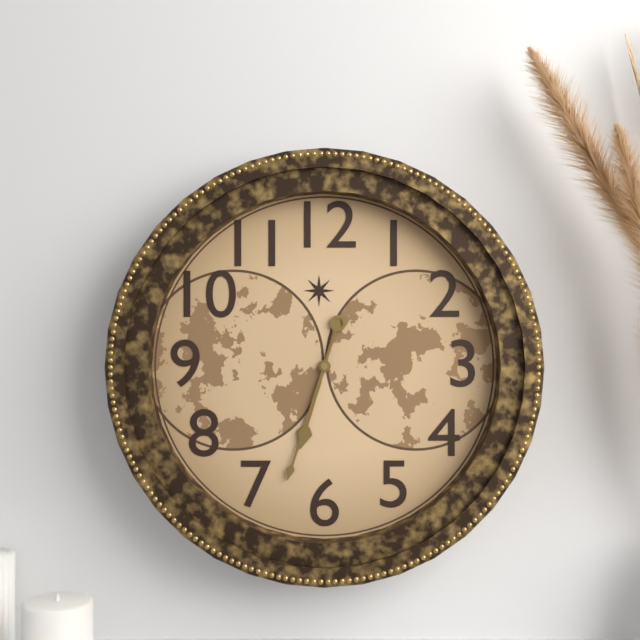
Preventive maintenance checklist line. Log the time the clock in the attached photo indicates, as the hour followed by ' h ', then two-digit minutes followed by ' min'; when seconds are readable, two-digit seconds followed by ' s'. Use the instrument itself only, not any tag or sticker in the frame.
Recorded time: 6 h 33 min
